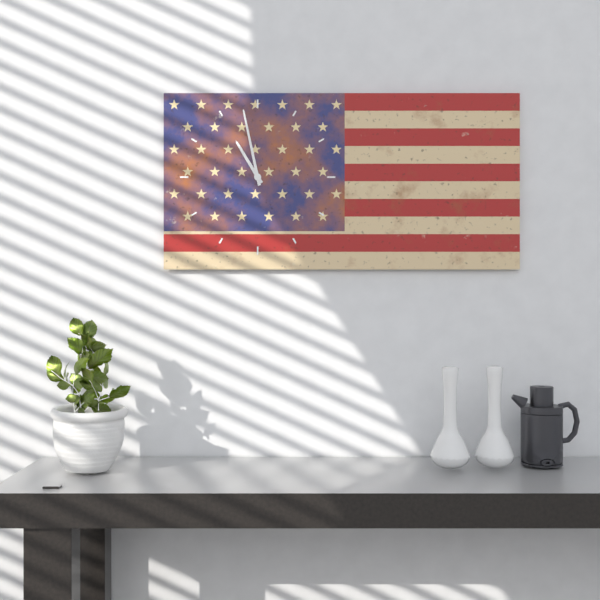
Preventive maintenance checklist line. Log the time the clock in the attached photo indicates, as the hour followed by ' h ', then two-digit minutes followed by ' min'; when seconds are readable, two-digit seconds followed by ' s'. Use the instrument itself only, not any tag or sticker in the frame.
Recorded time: 10 h 58 min
